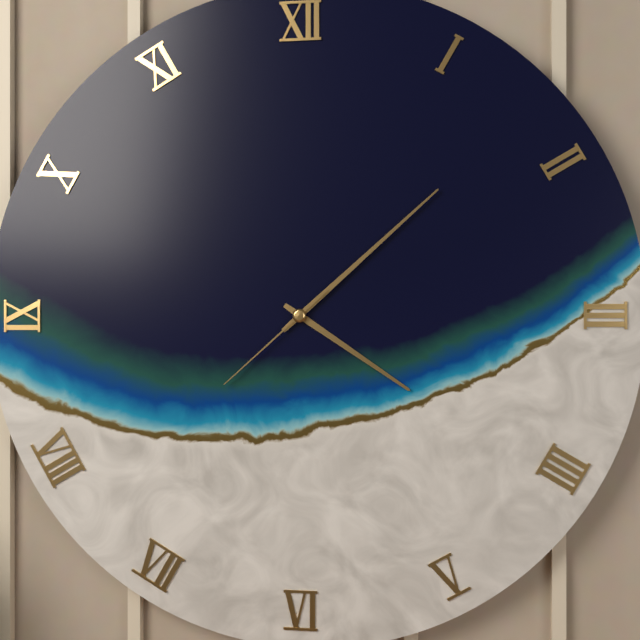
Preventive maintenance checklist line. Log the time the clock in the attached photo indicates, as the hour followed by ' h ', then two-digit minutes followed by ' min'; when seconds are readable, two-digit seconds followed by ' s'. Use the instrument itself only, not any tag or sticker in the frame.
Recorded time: 4 h 08 min 38 s
